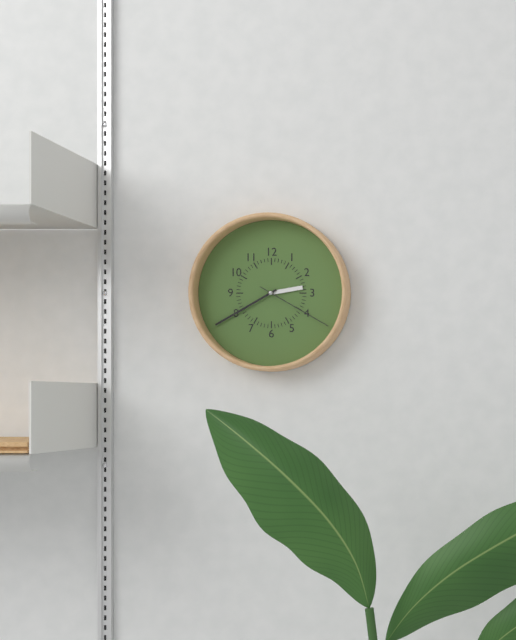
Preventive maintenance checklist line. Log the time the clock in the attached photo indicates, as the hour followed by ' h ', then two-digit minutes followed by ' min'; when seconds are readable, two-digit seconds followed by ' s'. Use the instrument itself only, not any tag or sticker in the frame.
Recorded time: 2 h 40 min 20 s
